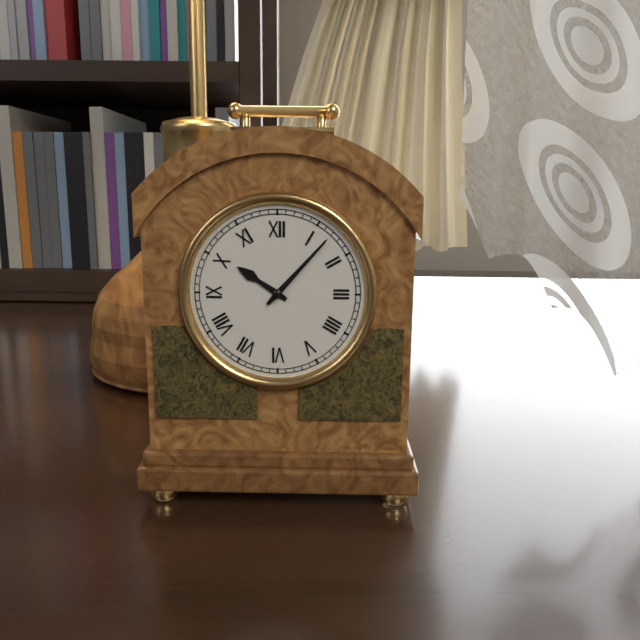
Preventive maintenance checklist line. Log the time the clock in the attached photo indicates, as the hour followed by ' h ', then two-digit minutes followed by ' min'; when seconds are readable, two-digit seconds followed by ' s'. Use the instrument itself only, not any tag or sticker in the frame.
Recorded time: 10 h 07 min
